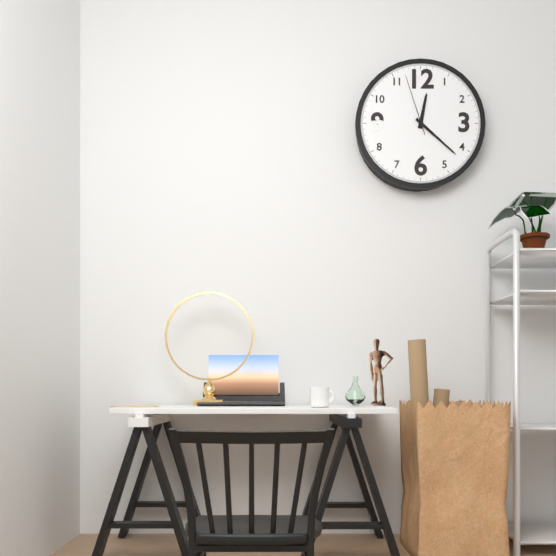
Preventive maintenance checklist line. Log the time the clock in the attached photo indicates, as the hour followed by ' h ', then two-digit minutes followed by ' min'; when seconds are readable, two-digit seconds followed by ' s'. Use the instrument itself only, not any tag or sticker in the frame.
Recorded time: 12 h 22 min 57 s
